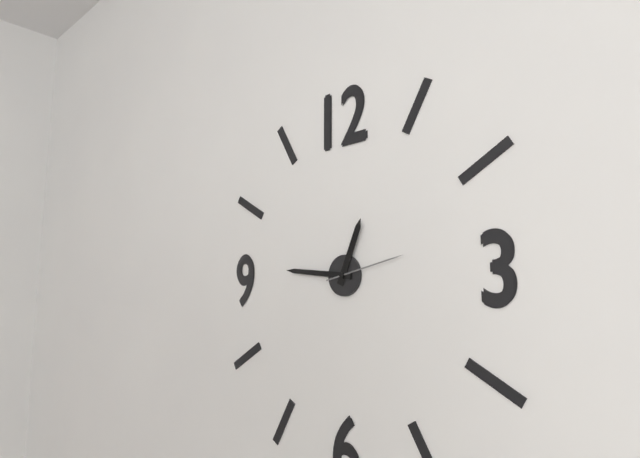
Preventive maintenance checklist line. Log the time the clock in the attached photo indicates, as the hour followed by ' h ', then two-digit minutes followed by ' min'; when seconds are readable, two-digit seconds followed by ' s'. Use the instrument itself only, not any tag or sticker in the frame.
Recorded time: 12 h 46 min 13 s
